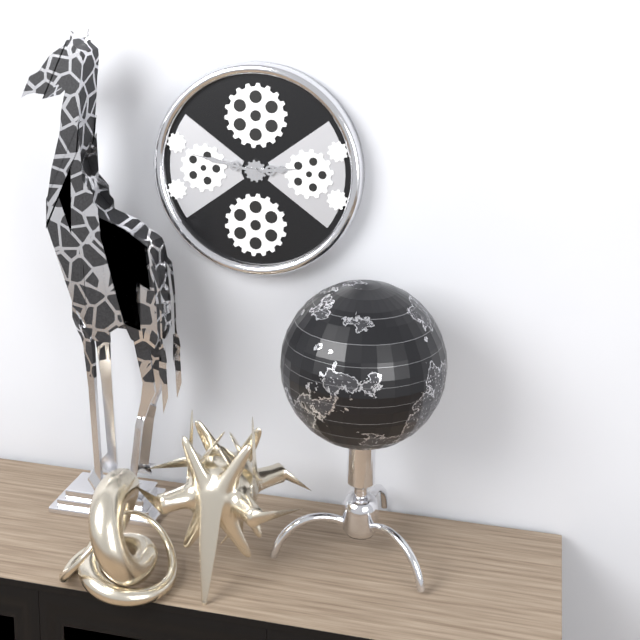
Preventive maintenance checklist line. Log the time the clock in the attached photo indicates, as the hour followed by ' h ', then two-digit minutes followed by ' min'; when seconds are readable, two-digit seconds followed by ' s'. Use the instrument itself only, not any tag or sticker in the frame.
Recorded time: 2 h 47 min
